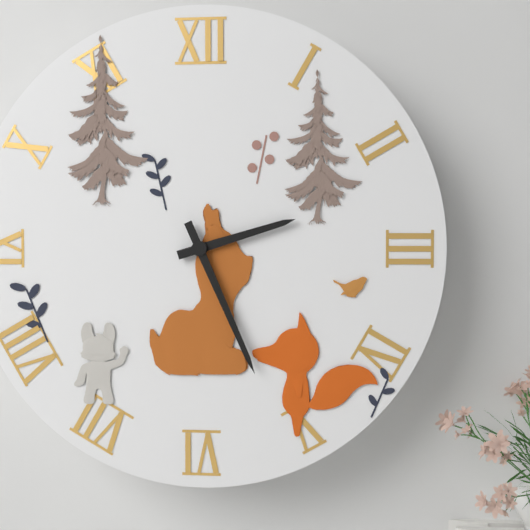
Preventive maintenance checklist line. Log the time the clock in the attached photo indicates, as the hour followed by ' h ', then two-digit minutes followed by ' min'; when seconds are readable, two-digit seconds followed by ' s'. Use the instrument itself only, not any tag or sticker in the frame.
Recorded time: 2 h 26 min
